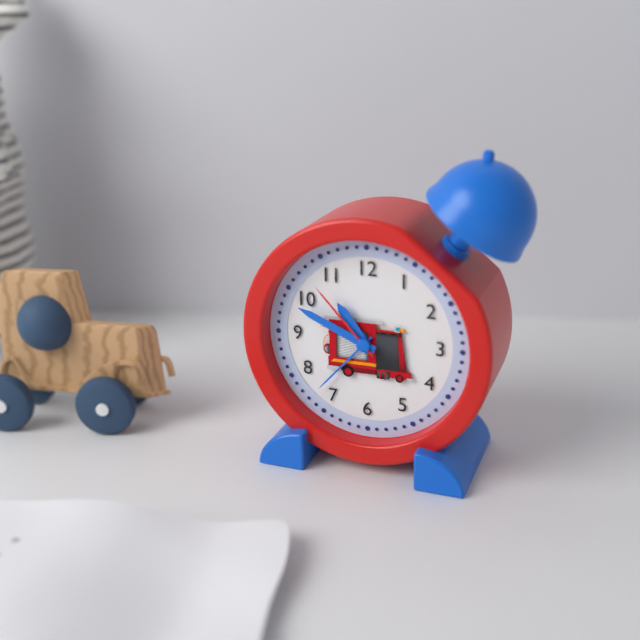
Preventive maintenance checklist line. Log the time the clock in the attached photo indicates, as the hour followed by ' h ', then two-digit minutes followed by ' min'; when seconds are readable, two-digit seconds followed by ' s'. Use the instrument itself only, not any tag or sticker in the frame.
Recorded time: 10 h 49 min 53 s
